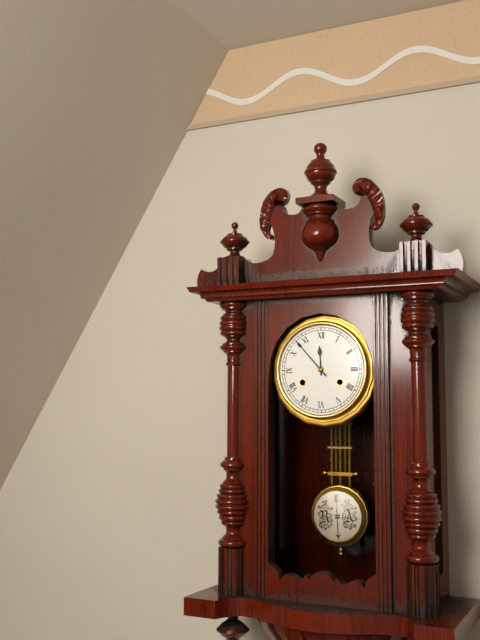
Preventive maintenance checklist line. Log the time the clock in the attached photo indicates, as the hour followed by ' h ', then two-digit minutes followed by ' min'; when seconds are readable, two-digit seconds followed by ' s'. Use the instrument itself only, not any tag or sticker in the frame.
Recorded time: 11 h 53 min
